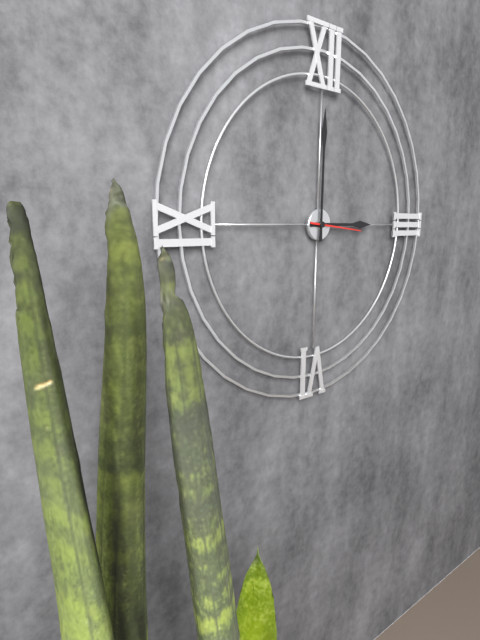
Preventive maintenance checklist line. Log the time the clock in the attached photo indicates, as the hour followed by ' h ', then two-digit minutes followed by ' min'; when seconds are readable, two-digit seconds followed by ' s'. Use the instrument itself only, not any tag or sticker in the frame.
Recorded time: 3 h 00 min 16 s
